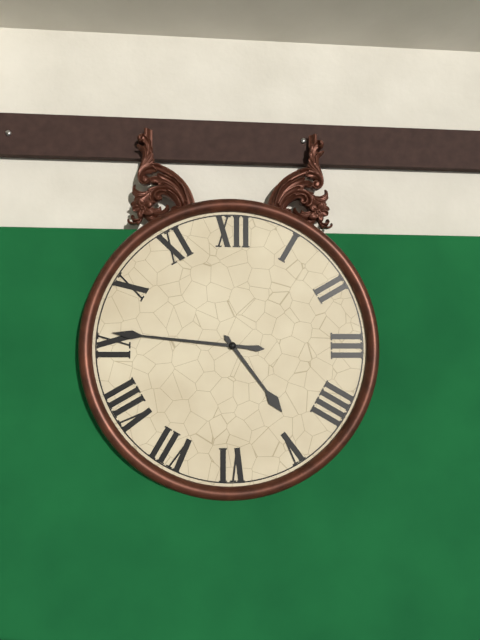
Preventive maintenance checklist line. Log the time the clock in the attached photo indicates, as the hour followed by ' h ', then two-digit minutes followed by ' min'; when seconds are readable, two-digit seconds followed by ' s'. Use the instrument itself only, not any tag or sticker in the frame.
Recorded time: 4 h 46 min
